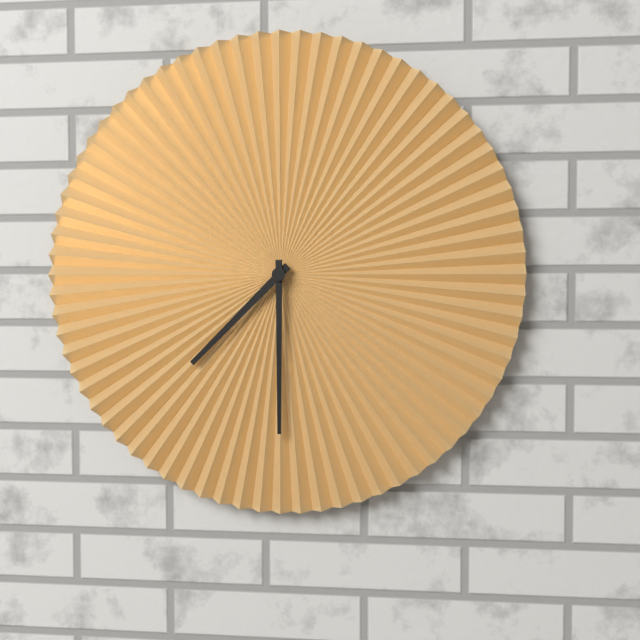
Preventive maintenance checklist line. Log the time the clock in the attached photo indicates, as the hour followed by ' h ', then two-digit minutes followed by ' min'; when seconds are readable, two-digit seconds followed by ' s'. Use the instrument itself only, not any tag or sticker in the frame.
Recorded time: 7 h 30 min
